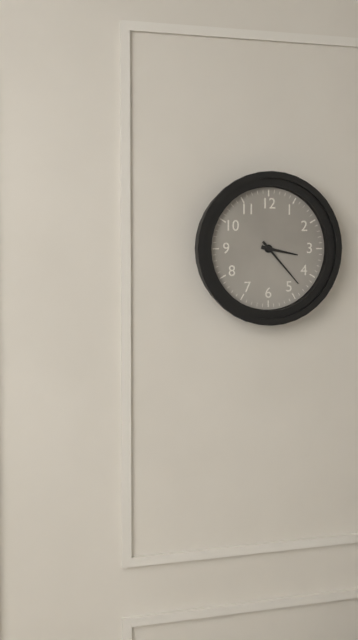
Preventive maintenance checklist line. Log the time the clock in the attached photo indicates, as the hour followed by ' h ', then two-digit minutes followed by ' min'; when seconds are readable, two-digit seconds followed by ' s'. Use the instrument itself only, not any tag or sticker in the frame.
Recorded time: 3 h 23 min
